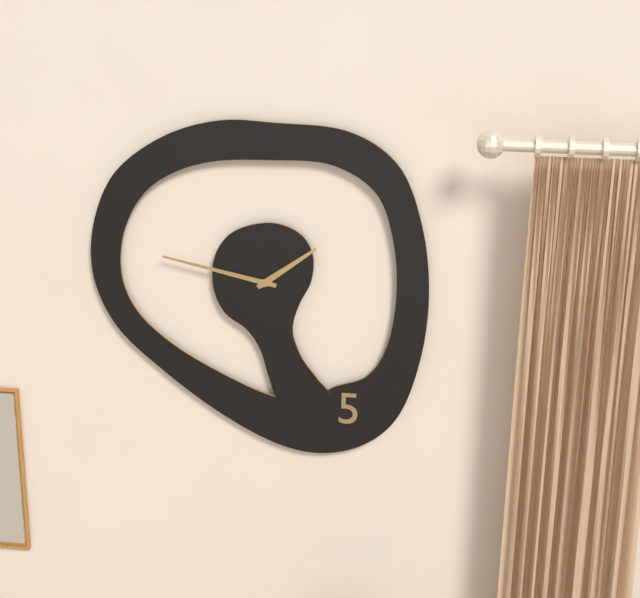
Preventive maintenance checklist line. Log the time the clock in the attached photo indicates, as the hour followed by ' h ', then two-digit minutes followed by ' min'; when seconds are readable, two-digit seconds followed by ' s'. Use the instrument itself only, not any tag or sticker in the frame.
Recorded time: 1 h 47 min
